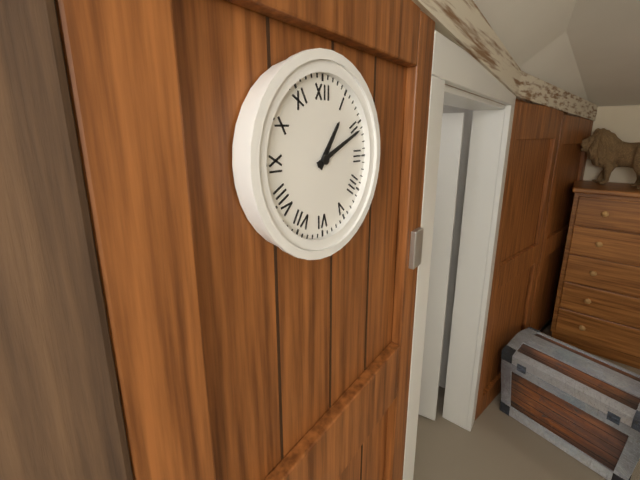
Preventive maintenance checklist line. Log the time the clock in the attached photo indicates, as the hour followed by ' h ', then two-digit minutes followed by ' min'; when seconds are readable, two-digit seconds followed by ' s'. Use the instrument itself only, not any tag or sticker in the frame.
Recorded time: 1 h 11 min
